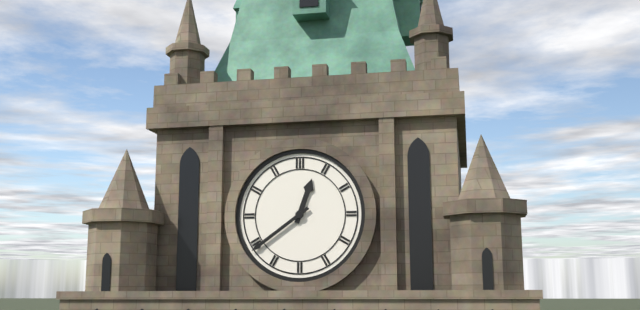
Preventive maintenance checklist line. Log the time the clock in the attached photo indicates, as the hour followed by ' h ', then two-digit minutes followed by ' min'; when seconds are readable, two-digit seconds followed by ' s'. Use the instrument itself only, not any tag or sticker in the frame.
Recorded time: 12 h 39 min
